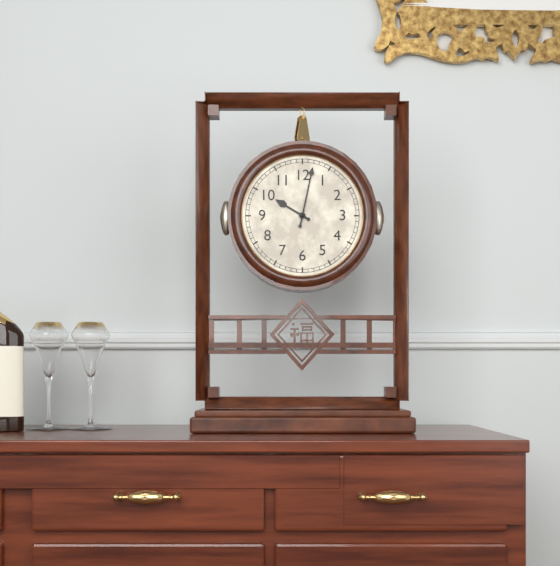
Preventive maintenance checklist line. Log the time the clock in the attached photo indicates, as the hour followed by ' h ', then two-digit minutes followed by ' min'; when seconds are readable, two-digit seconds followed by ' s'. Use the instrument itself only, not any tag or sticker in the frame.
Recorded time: 10 h 02 min
